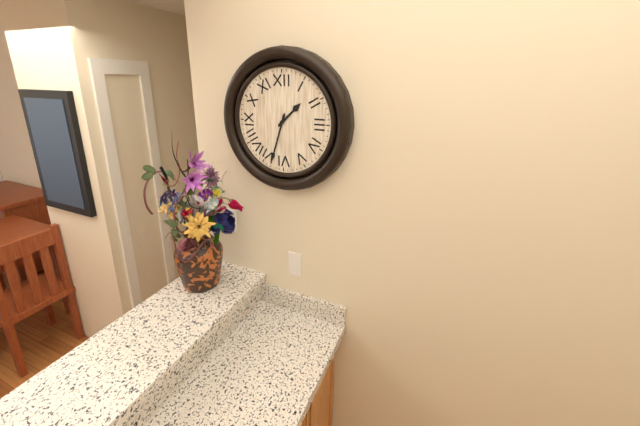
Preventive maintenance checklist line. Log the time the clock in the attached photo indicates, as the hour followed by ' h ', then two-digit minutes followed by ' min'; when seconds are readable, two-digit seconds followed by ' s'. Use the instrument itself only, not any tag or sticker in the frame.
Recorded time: 1 h 33 min
